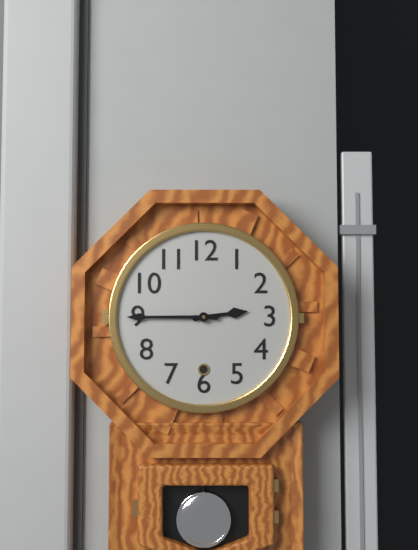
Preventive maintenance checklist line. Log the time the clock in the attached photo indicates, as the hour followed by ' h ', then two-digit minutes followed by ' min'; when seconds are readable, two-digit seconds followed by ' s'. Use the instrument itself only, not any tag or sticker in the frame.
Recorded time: 2 h 45 min
